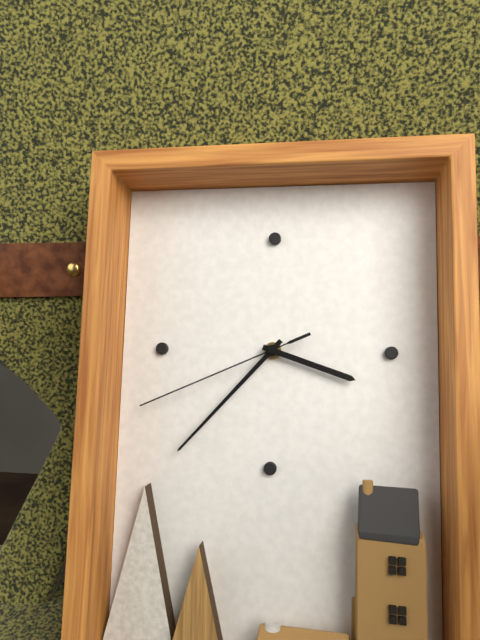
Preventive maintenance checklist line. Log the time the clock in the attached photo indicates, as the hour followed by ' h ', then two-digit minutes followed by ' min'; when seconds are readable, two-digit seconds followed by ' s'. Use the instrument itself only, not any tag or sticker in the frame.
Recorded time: 3 h 37 min 41 s
